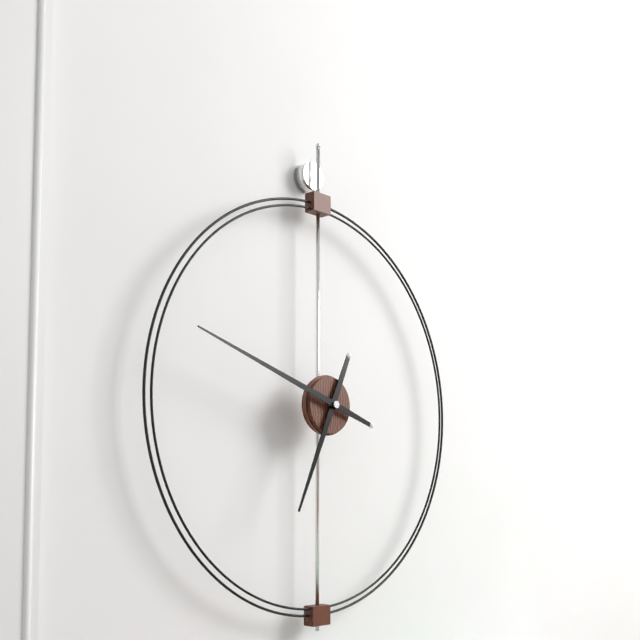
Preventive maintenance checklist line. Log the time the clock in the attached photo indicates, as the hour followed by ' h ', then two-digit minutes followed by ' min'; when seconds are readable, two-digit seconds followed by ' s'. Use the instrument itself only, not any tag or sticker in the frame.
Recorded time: 6 h 48 min
